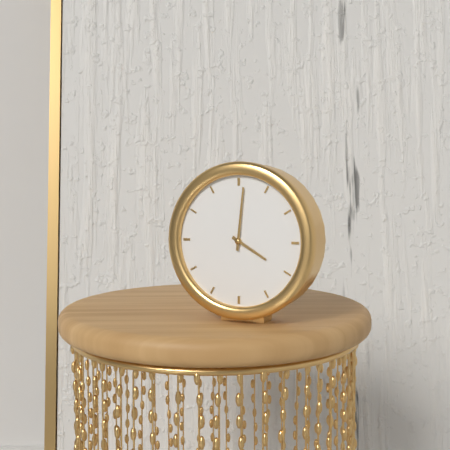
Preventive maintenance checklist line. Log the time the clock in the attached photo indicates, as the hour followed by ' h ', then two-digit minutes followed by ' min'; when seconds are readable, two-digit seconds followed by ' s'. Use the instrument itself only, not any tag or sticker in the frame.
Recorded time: 4 h 01 min
